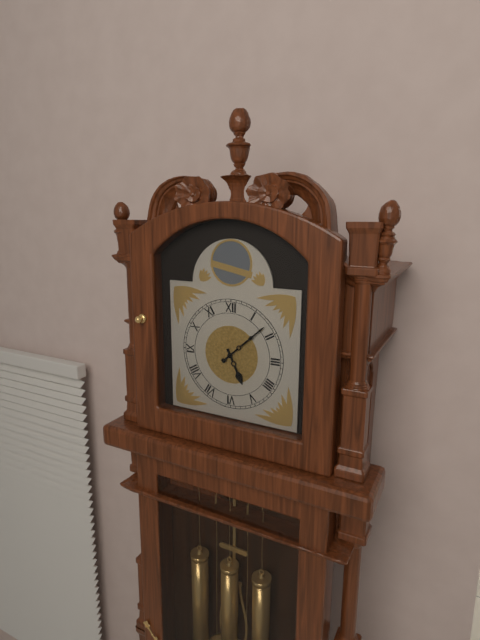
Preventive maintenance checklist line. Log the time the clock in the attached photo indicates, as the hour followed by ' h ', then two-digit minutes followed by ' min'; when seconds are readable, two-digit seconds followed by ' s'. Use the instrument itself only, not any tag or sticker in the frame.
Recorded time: 5 h 08 min
